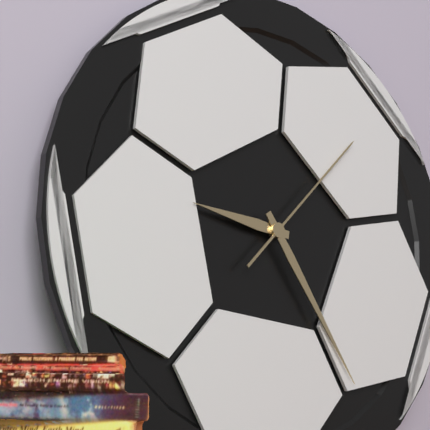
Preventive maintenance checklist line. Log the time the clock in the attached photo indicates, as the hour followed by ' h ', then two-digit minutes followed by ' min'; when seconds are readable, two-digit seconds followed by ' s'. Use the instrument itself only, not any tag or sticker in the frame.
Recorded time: 9 h 25 min 08 s
